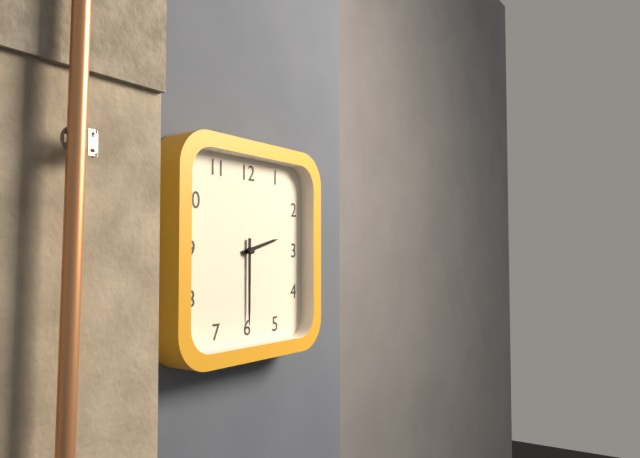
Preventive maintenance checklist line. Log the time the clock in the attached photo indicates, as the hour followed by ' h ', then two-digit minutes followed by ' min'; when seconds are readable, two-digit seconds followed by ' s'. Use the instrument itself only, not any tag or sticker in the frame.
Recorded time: 2 h 30 min
